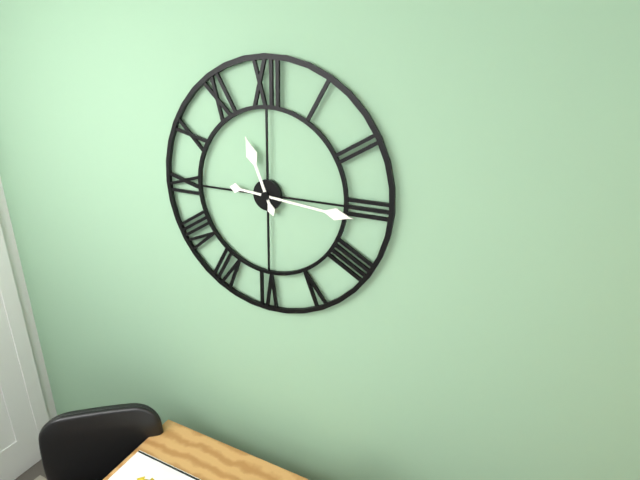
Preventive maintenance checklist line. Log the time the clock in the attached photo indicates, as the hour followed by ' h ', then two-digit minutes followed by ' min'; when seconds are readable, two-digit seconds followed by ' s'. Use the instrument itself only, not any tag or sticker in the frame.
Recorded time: 11 h 16 min
